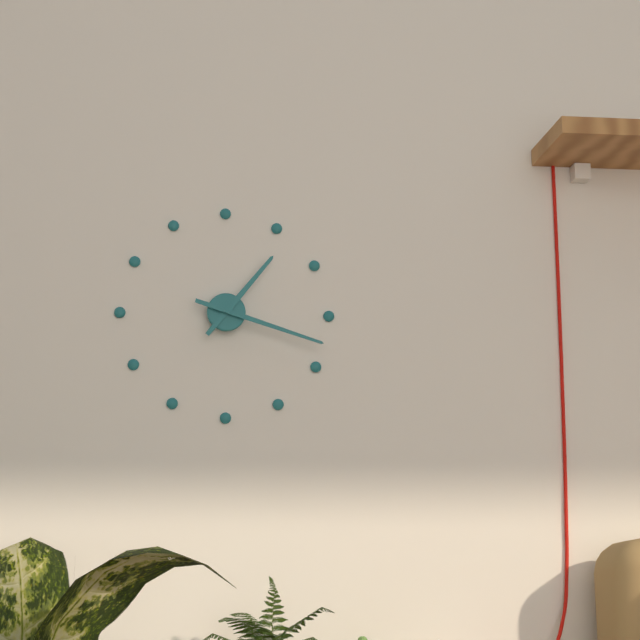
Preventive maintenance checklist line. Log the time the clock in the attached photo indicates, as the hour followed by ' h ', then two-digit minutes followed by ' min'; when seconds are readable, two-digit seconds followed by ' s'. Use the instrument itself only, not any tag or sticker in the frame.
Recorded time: 1 h 18 min
